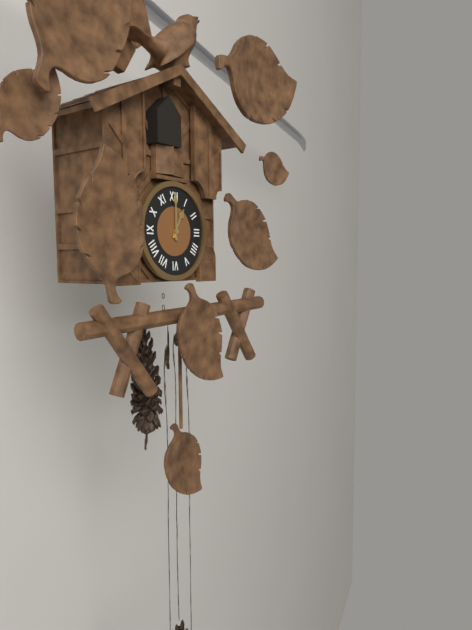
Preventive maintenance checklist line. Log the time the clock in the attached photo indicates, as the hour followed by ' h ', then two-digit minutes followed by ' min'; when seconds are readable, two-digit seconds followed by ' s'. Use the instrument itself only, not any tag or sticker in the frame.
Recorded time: 1 h 00 min
